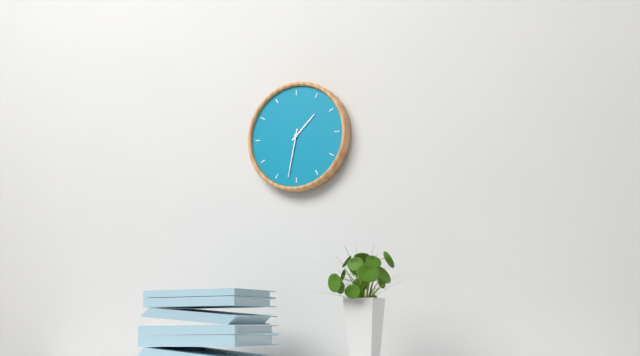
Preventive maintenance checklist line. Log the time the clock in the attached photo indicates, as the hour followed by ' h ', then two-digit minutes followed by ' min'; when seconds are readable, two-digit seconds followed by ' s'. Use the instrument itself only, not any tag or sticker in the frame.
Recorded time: 1 h 32 min
